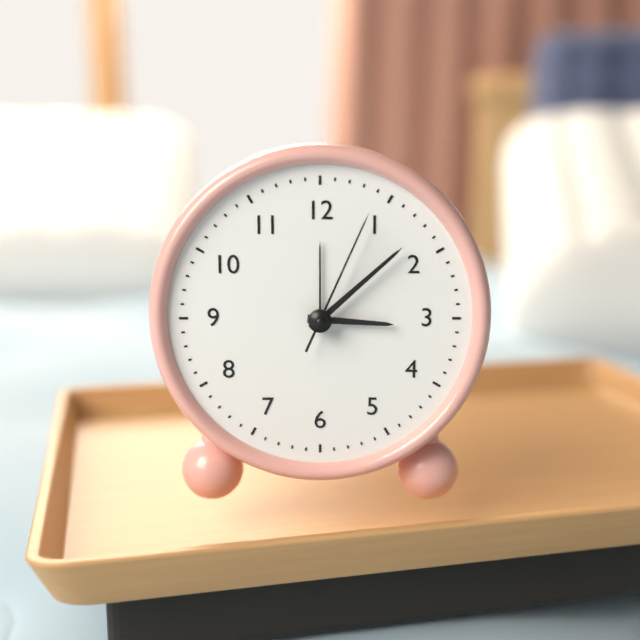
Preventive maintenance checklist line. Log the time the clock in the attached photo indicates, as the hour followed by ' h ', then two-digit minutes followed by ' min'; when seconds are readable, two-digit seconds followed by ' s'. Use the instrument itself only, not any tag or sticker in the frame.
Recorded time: 3 h 08 min 04 s
